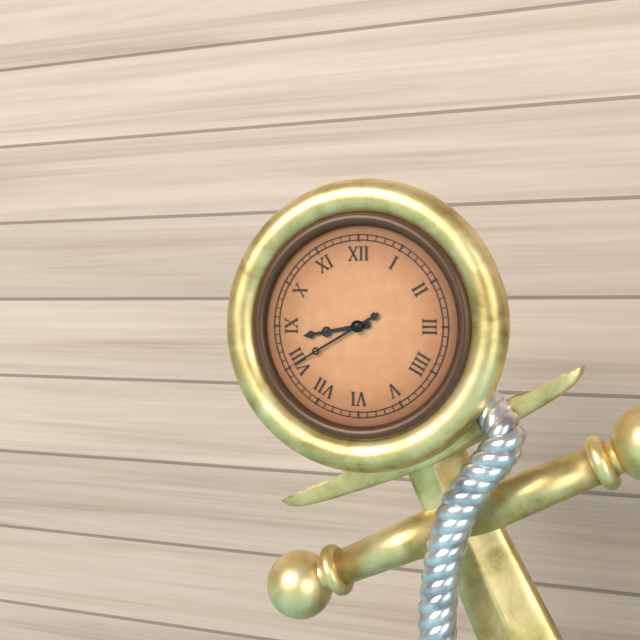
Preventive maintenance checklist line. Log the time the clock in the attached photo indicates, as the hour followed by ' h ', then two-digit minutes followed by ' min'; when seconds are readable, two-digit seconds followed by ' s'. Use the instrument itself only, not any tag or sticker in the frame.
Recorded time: 8 h 40 min
